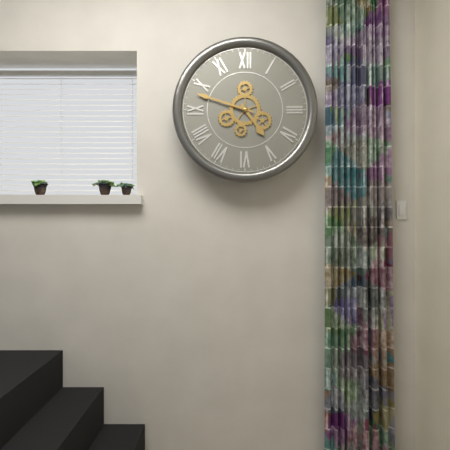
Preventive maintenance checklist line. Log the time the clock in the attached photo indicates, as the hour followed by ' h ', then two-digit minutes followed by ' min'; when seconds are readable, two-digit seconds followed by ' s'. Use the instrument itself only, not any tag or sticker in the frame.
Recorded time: 4 h 48 min
